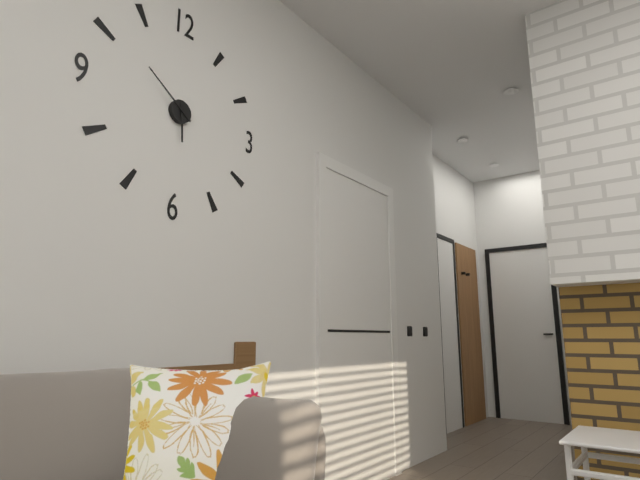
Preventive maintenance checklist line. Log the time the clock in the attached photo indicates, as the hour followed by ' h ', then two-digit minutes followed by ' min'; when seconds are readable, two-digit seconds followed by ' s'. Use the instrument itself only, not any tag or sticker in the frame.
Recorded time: 5 h 51 min
